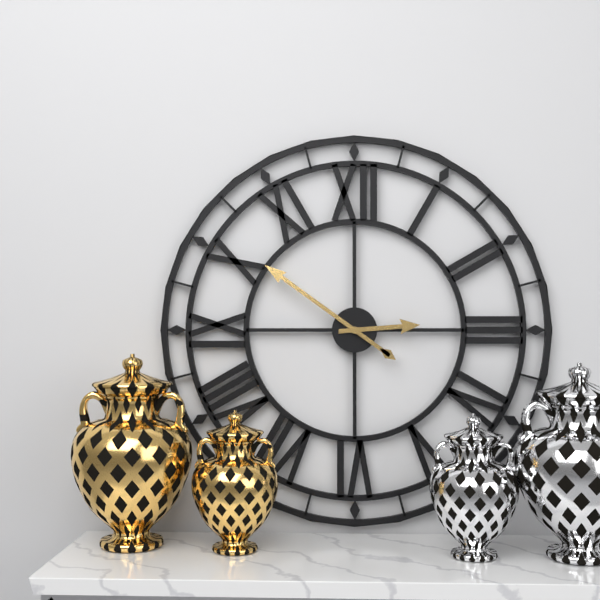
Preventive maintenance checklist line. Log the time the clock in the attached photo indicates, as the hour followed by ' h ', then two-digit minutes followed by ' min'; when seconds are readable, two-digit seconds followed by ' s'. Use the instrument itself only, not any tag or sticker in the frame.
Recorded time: 2 h 51 min
